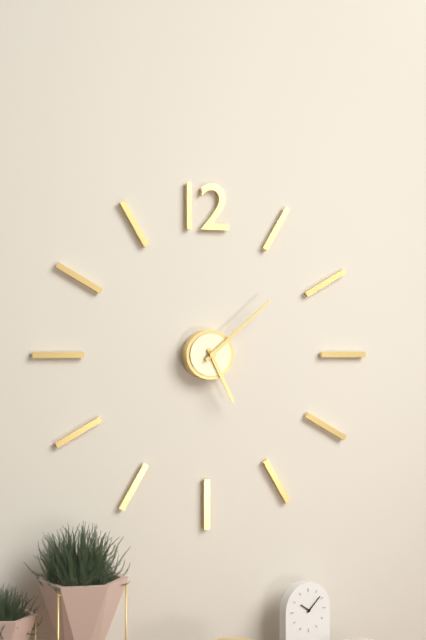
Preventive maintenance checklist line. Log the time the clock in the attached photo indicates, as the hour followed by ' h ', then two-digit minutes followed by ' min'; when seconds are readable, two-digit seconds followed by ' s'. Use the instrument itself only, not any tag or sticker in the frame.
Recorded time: 5 h 08 min
